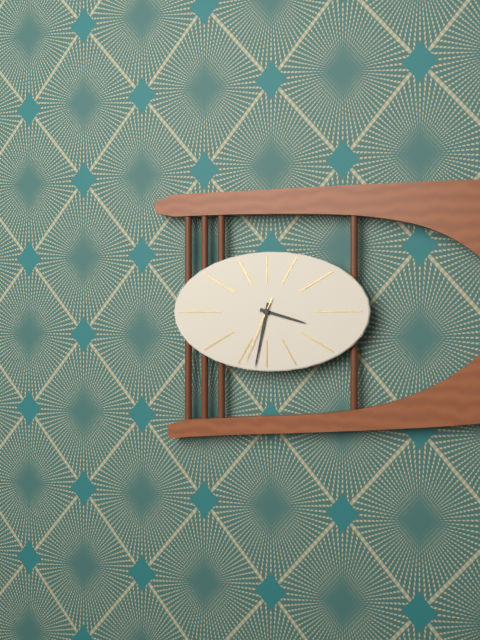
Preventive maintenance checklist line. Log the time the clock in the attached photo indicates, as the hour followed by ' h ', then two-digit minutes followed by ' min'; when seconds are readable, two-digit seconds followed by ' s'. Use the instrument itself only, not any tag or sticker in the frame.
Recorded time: 3 h 32 min 34 s
